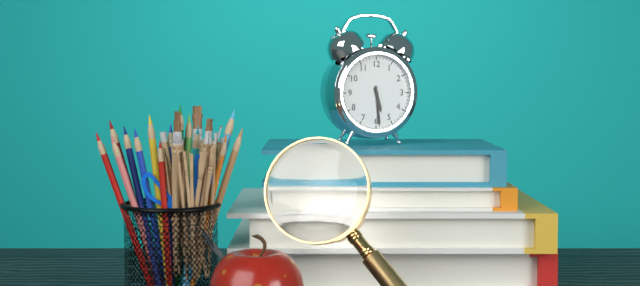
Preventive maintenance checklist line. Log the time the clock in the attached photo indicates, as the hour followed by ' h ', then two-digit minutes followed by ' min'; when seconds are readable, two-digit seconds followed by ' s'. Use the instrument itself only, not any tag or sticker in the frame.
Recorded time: 5 h 29 min
